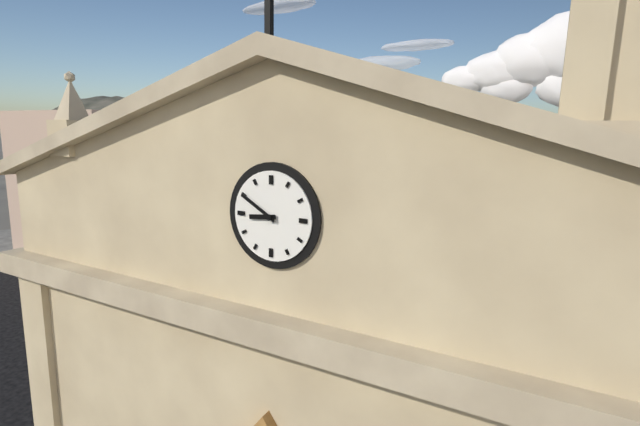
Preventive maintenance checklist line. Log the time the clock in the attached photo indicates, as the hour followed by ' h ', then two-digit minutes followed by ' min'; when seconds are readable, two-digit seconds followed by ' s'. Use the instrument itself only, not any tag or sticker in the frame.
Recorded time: 8 h 50 min
